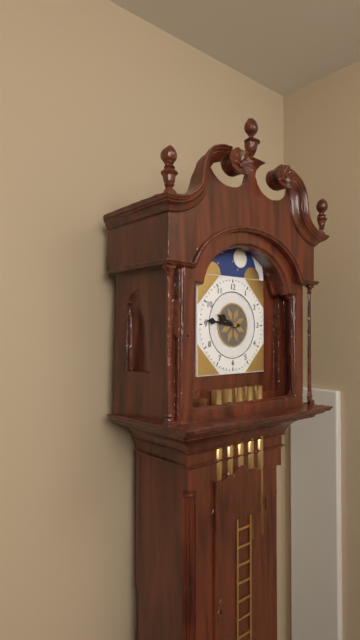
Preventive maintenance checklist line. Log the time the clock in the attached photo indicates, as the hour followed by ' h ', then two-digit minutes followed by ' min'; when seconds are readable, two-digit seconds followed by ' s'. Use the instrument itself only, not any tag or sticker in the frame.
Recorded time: 9 h 46 min
